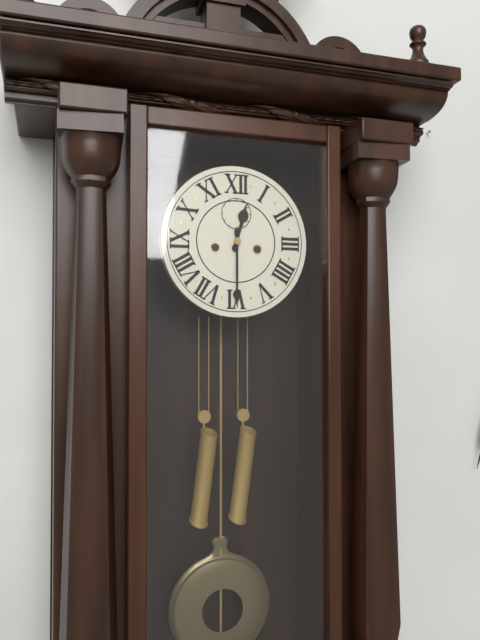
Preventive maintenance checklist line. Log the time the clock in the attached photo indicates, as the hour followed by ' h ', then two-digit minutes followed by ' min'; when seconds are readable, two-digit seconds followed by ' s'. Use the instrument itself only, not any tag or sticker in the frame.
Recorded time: 12 h 30 min
